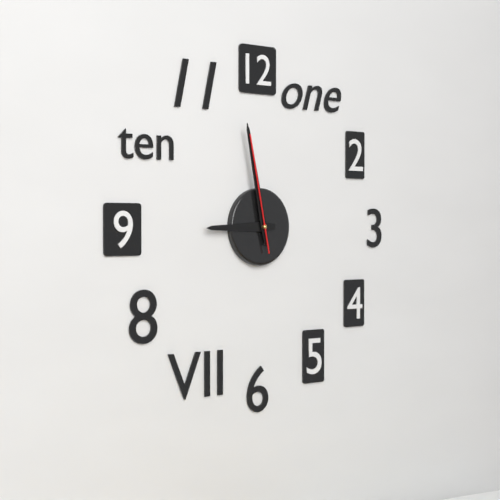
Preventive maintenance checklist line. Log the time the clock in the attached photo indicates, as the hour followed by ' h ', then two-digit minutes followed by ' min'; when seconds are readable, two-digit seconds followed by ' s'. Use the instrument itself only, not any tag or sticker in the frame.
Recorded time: 8 h 58 min 58 s
